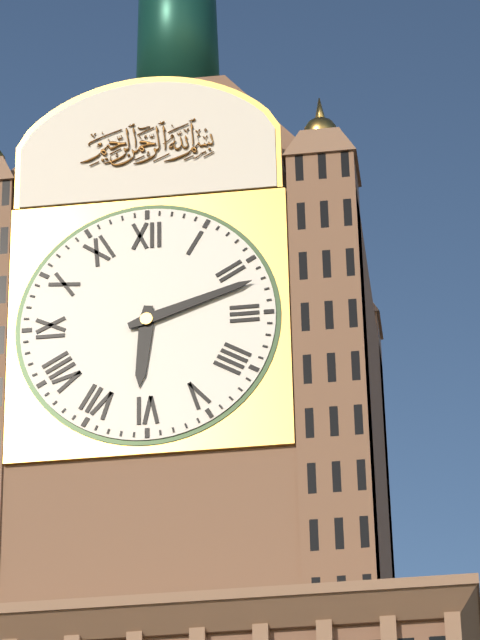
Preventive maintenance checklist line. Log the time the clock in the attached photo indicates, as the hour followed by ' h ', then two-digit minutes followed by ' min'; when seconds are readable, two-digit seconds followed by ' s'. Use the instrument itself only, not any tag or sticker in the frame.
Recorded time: 6 h 12 min
